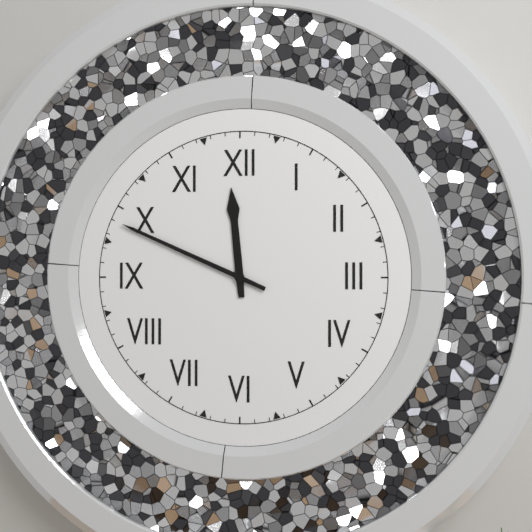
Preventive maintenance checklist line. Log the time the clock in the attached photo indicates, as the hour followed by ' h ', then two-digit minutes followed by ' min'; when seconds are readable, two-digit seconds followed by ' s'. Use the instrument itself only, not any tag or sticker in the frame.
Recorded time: 11 h 49 min
